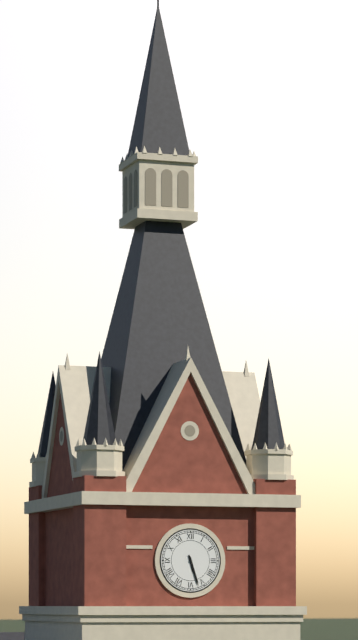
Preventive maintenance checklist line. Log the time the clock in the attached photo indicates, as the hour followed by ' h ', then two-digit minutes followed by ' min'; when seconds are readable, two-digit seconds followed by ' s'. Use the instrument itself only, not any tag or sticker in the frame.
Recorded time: 5 h 27 min
